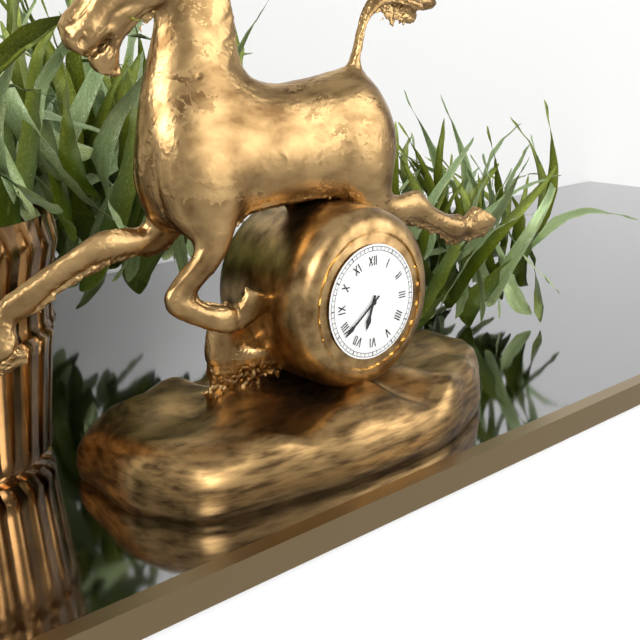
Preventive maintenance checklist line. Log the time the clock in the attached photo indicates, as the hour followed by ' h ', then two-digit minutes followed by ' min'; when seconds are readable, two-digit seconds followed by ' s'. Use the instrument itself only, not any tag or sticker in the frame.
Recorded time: 6 h 39 min
